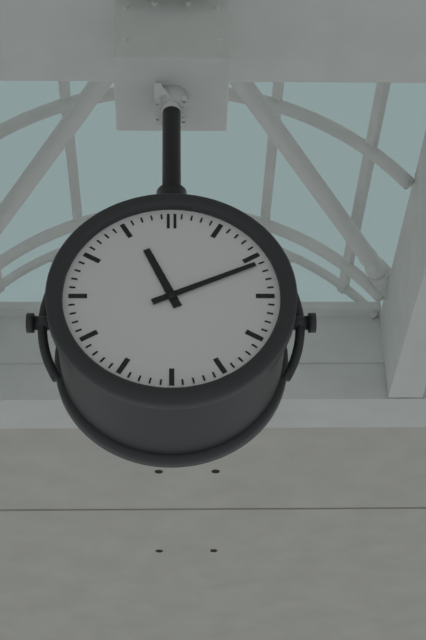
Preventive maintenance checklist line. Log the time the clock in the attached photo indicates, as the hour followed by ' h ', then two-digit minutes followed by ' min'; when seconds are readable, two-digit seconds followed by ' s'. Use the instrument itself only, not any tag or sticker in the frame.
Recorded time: 11 h 11 min
